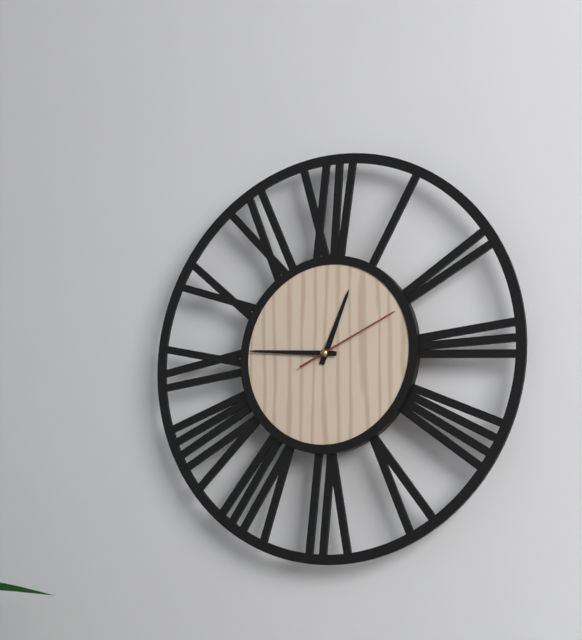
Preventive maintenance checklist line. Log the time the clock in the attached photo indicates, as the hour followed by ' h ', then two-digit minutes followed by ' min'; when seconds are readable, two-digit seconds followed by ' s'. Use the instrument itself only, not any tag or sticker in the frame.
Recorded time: 12 h 46 min 11 s
